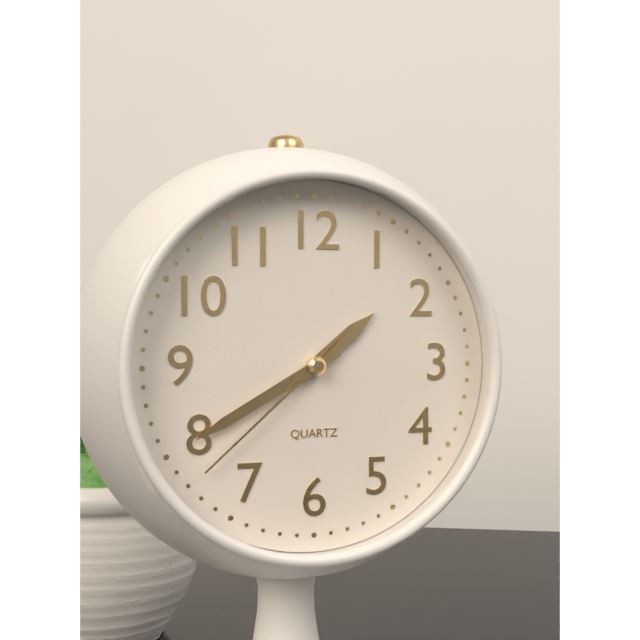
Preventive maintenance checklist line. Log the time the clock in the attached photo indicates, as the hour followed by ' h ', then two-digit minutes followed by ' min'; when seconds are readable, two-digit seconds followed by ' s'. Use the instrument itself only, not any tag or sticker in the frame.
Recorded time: 1 h 40 min 38 s
